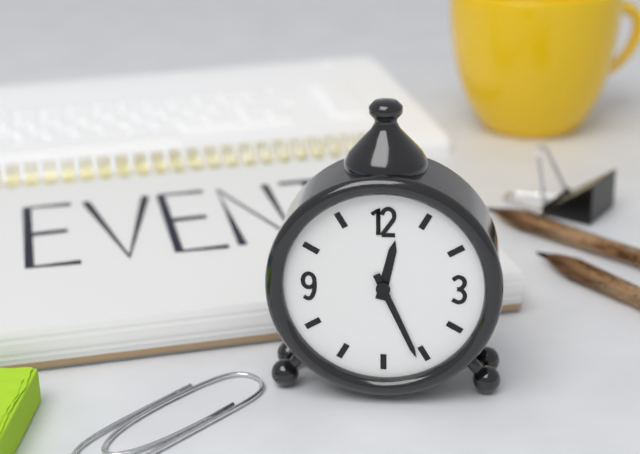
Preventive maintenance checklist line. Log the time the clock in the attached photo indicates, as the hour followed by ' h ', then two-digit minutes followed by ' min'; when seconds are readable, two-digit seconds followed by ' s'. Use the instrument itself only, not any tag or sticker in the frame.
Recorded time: 12 h 26 min
